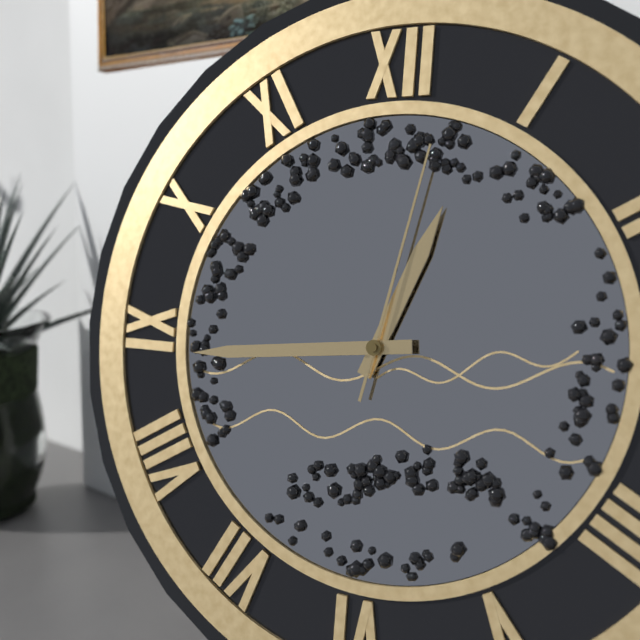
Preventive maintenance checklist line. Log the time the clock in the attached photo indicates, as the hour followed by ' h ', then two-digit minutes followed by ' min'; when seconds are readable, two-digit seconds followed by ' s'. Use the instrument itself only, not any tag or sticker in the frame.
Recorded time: 12 h 44 min 02 s
